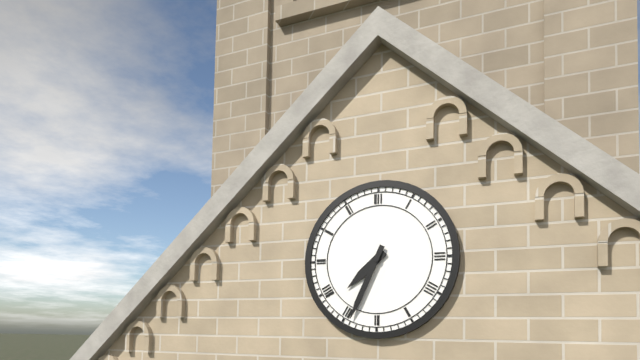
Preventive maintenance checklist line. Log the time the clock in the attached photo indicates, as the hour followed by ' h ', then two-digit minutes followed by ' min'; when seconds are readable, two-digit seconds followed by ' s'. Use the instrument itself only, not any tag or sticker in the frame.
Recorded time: 7 h 34 min
